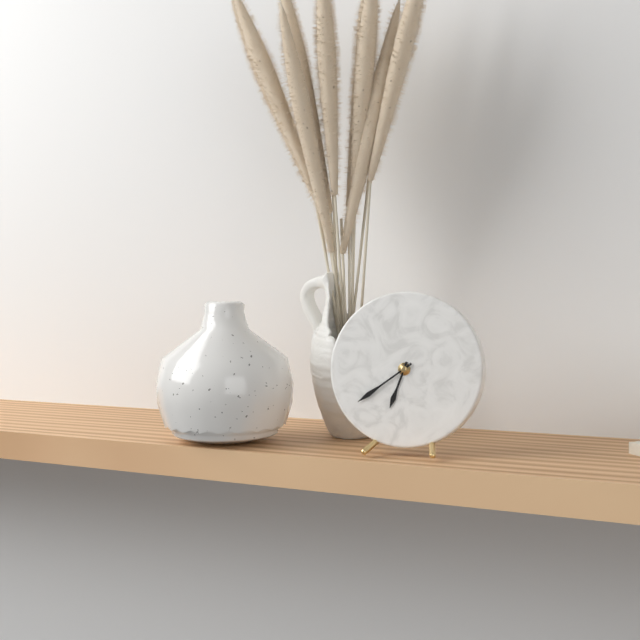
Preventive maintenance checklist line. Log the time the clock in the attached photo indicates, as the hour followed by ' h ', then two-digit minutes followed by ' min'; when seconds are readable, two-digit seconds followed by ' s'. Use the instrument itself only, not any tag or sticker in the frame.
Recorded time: 6 h 39 min
